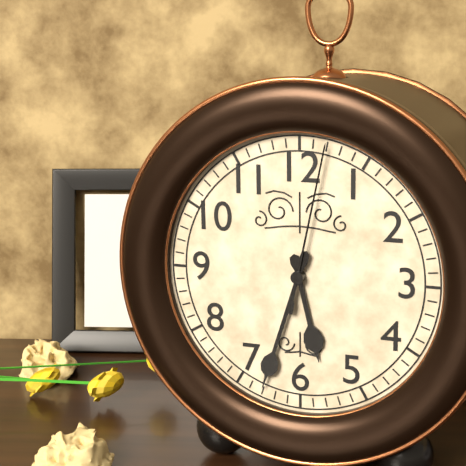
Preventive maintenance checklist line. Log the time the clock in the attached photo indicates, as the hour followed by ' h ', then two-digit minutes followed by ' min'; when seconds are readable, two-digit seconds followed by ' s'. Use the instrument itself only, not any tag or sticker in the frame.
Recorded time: 5 h 33 min 02 s
